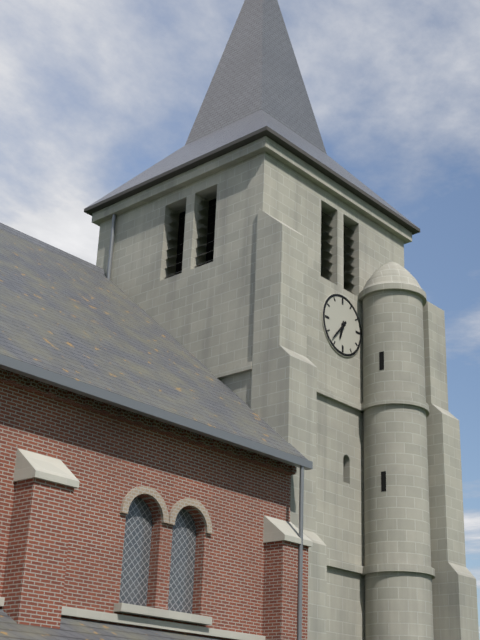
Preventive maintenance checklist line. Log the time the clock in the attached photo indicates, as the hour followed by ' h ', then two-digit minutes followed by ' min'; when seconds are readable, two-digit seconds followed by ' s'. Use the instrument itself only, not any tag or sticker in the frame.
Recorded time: 6 h 37 min
